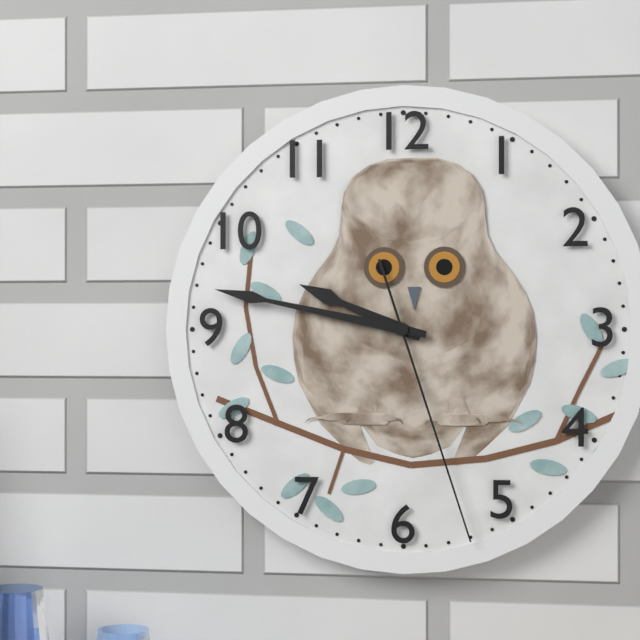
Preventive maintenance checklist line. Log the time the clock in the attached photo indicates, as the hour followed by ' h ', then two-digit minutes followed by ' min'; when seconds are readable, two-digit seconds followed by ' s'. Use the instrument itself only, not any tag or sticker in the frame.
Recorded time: 9 h 47 min 27 s
